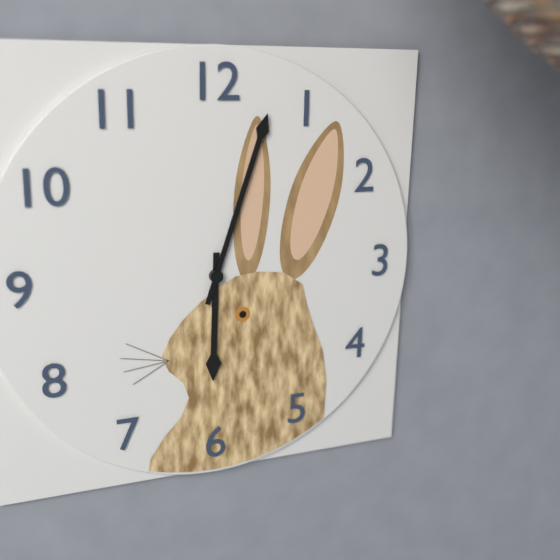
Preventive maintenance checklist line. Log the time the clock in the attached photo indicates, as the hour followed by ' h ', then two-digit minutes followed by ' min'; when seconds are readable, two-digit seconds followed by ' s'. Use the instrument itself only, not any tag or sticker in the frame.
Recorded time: 6 h 03 min
